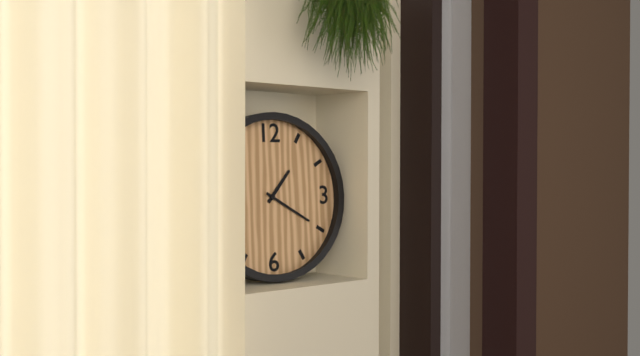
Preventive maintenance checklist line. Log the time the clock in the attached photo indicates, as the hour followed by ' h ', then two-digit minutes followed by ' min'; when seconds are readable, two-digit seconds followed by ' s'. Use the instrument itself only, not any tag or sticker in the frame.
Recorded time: 1 h 20 min
